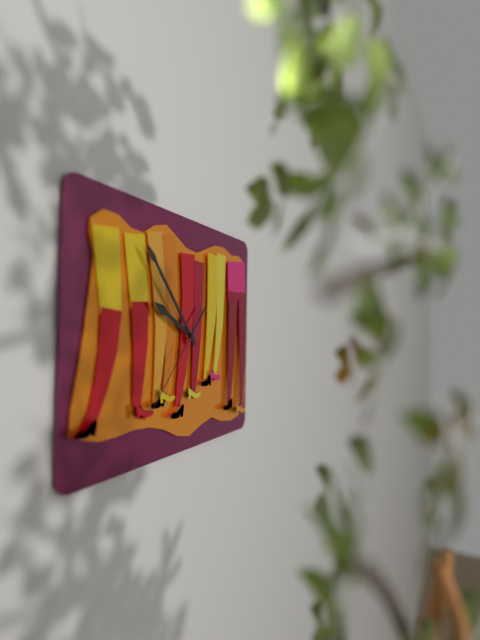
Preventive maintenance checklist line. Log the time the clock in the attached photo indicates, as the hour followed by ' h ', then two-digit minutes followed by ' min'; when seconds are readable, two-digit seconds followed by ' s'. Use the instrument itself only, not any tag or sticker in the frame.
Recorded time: 9 h 53 min 37 s
